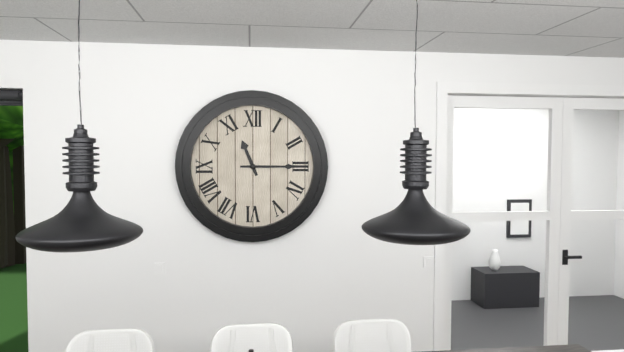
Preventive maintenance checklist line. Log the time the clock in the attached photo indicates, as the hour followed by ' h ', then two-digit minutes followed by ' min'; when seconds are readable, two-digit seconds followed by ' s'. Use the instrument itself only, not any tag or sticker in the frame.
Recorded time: 11 h 15 min
